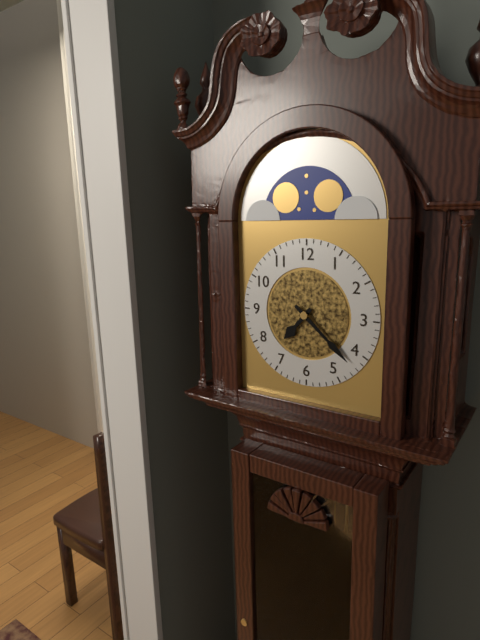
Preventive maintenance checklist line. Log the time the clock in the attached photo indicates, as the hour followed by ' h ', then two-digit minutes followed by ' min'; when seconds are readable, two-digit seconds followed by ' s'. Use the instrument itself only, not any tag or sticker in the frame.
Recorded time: 7 h 22 min
